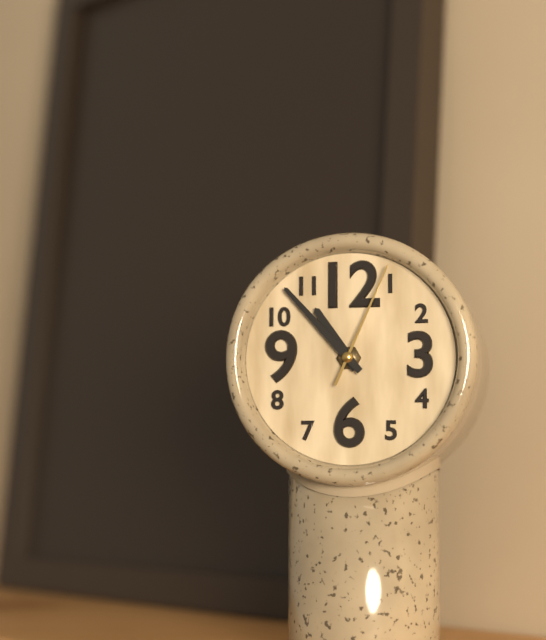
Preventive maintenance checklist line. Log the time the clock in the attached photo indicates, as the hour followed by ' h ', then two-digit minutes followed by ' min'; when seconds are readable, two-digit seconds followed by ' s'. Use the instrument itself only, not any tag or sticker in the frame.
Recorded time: 10 h 53 min 04 s
